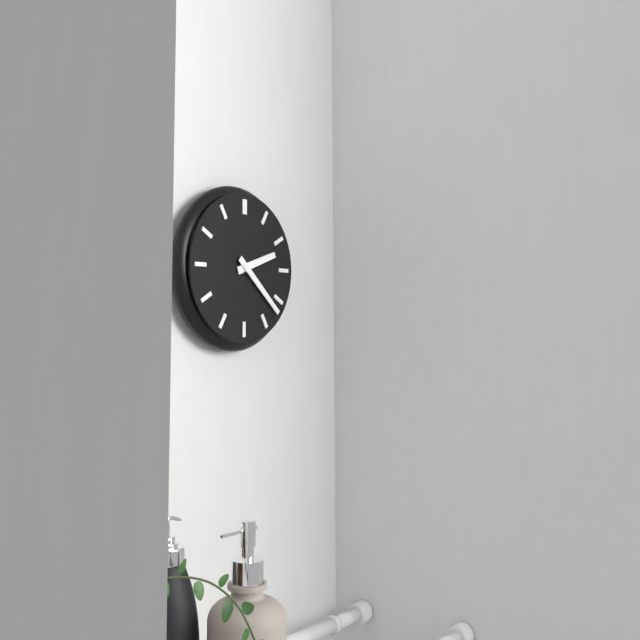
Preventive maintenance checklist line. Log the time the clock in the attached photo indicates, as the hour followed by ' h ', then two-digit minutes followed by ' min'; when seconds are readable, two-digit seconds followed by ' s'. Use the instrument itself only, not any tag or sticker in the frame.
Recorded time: 2 h 22 min
